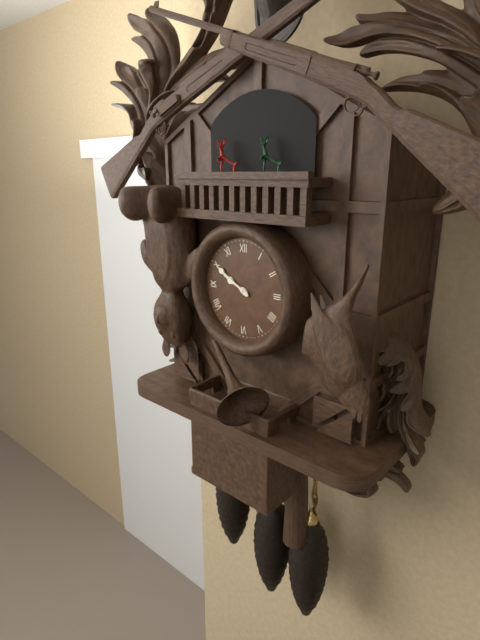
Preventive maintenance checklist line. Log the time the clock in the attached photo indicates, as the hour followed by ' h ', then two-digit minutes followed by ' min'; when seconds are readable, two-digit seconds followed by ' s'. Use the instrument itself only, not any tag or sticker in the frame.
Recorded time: 9 h 50 min
